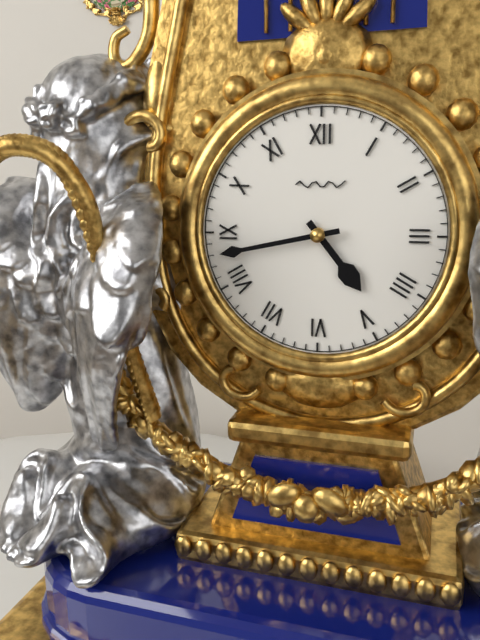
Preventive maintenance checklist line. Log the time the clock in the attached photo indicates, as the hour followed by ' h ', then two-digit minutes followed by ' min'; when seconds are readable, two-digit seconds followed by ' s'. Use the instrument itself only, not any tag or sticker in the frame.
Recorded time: 4 h 43 min
